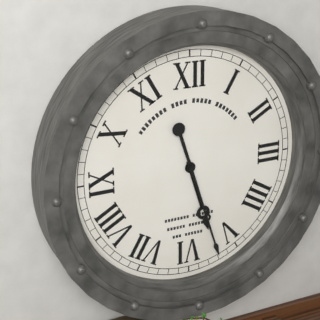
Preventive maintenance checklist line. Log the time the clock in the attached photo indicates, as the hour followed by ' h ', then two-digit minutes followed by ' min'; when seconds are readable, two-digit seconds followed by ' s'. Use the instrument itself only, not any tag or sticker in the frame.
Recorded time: 5 h 27 min
